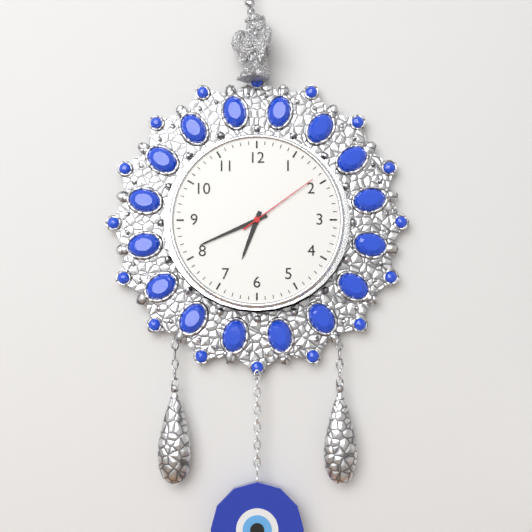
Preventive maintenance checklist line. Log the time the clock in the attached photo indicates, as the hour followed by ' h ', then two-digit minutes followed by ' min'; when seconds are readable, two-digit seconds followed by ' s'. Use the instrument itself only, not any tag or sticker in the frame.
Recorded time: 6 h 41 min 09 s
